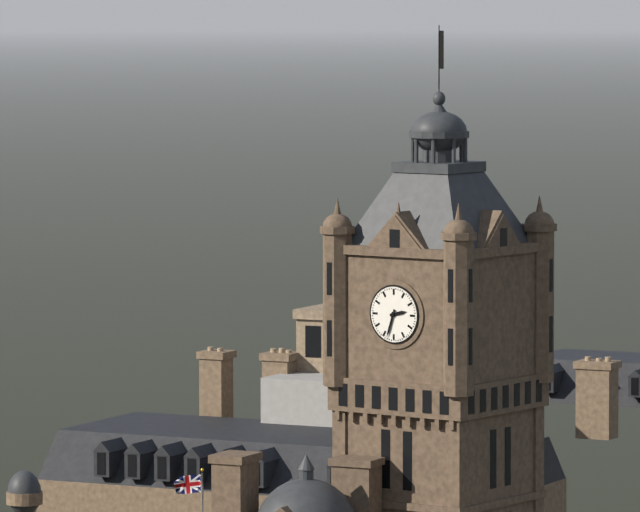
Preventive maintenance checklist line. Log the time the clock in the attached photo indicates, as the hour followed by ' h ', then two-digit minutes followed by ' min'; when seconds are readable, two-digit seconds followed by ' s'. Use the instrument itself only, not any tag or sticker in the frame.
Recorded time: 2 h 33 min
